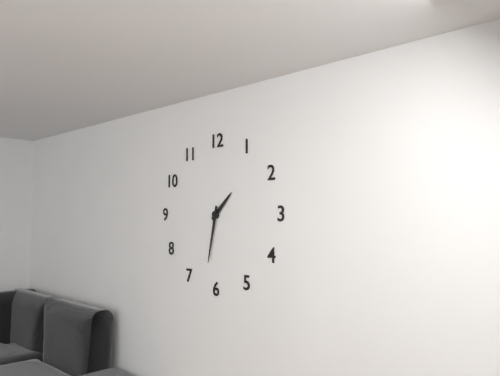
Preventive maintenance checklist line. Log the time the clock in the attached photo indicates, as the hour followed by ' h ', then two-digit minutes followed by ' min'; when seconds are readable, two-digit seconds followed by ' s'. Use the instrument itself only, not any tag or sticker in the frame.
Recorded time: 1 h 32 min
